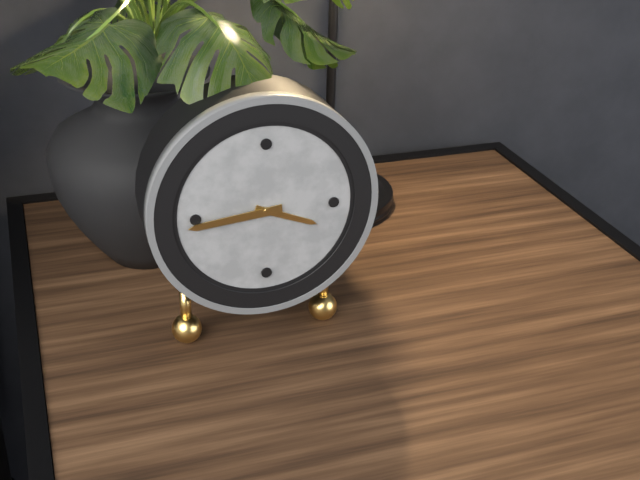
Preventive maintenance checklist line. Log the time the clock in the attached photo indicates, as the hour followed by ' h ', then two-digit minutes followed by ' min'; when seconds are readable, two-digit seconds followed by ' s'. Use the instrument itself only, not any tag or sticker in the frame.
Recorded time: 3 h 44 min
